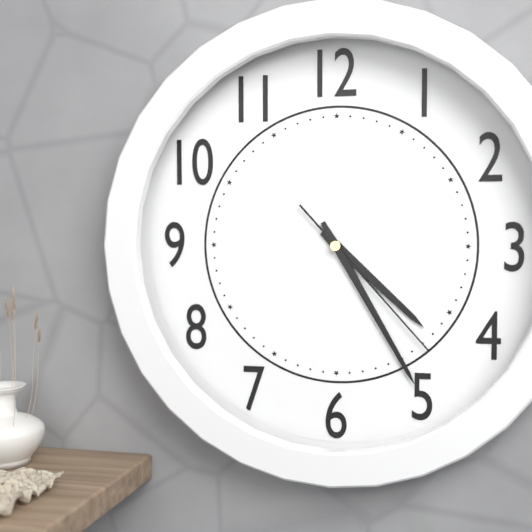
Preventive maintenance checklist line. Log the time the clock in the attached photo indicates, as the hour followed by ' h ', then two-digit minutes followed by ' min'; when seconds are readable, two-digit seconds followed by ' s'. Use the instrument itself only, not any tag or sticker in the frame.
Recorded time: 4 h 25 min 23 s
